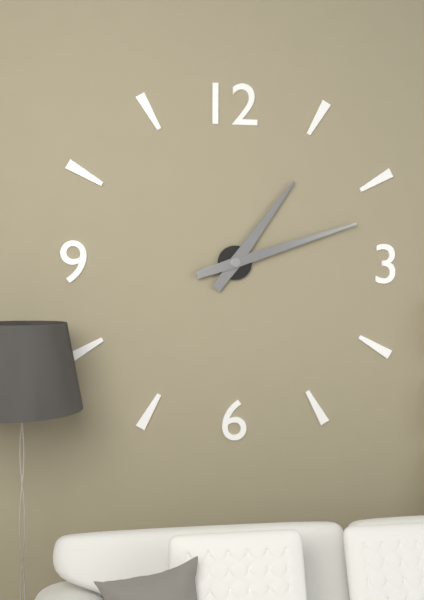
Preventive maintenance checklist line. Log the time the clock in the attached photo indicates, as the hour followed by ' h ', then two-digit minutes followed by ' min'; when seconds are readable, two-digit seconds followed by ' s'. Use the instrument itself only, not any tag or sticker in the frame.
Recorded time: 1 h 12 min
